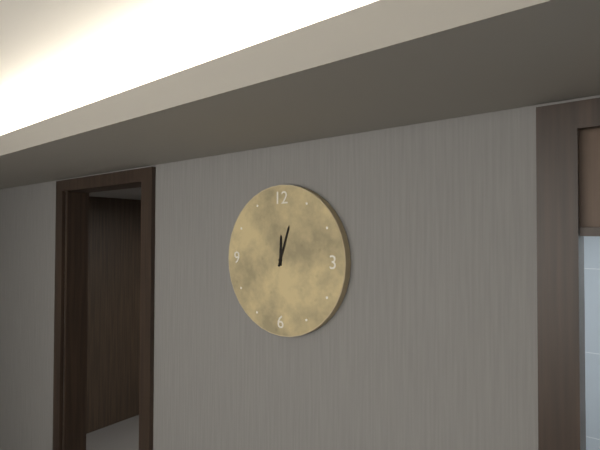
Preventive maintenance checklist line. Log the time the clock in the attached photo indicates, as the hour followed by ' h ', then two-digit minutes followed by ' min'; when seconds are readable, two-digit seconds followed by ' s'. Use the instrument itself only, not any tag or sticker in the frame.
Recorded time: 12 h 03 min
